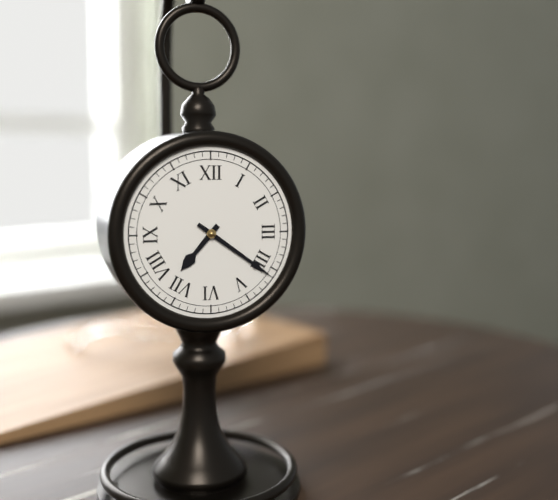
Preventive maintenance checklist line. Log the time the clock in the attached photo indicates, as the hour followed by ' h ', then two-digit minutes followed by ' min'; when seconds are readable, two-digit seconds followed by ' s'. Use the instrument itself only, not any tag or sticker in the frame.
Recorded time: 7 h 21 min
